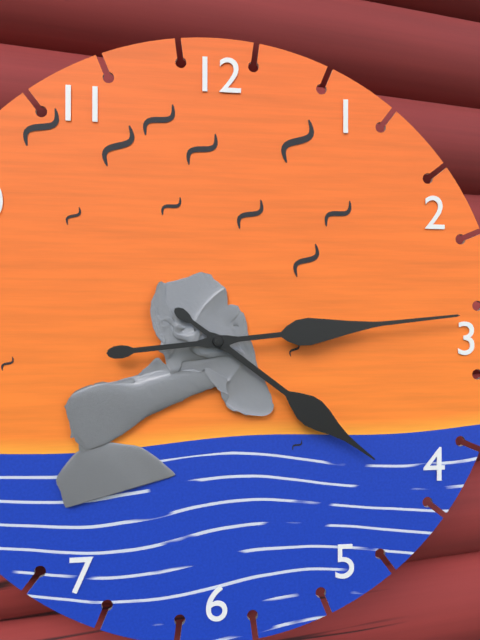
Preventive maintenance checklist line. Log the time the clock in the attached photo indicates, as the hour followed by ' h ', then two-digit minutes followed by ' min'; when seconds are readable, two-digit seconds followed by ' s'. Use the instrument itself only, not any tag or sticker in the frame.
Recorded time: 4 h 14 min
